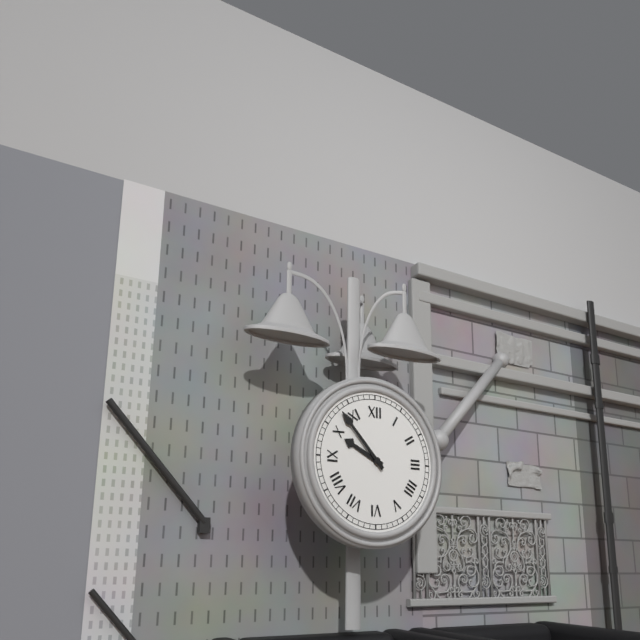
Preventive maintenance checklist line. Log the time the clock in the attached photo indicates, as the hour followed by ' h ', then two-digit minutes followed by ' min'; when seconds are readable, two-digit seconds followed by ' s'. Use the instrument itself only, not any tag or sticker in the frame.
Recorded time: 9 h 53 min
